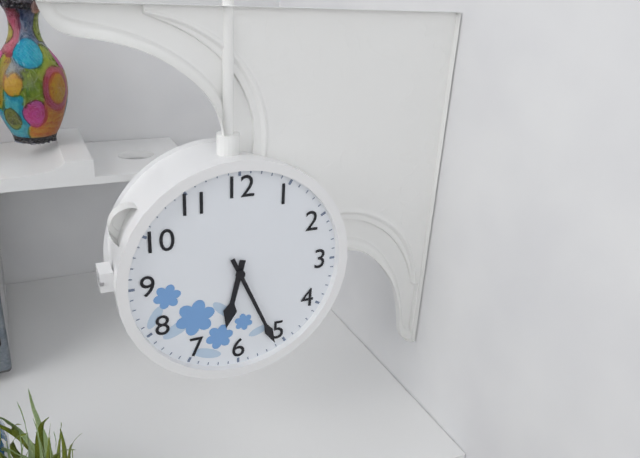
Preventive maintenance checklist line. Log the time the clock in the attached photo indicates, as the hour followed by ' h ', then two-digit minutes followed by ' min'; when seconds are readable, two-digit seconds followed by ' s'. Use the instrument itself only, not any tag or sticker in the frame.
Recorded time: 6 h 26 min
